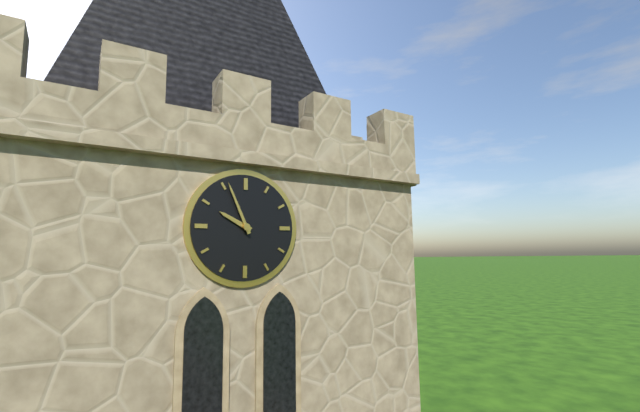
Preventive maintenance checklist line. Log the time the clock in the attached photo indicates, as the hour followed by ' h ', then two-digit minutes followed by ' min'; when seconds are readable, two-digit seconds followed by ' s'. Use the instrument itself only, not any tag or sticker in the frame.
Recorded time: 9 h 56 min
